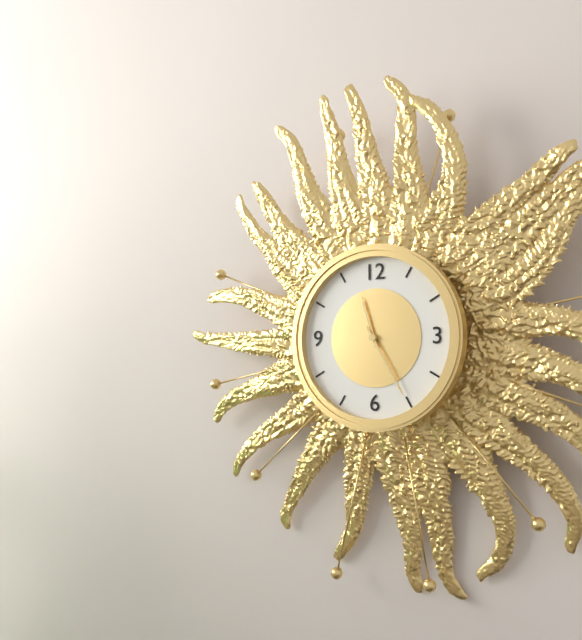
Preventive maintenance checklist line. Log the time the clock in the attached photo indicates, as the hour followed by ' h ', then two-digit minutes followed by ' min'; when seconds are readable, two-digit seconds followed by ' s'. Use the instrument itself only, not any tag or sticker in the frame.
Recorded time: 11 h 25 min
